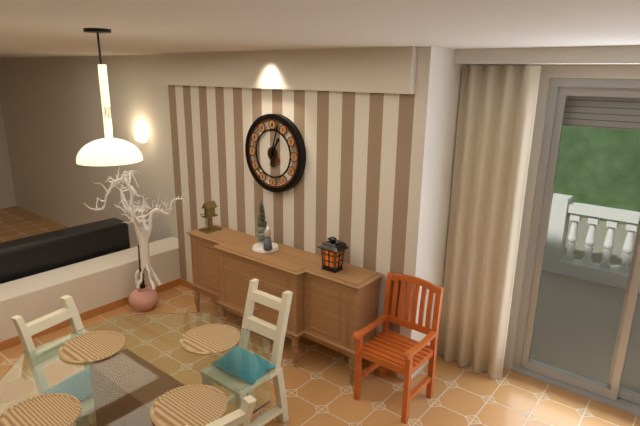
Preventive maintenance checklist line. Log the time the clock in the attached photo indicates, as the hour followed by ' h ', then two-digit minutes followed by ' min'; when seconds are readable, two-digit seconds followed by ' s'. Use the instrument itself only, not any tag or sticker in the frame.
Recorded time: 1 h 03 min
